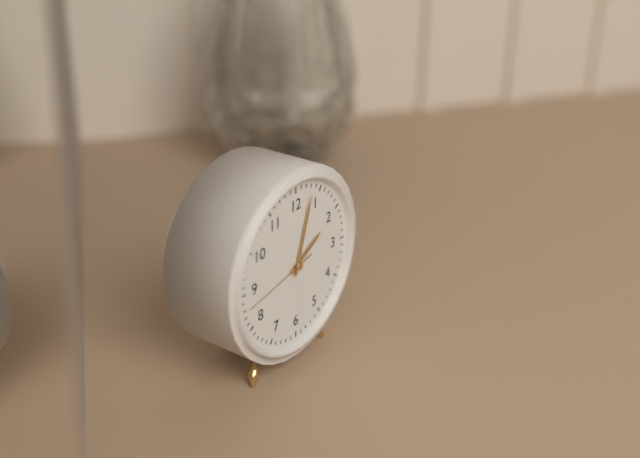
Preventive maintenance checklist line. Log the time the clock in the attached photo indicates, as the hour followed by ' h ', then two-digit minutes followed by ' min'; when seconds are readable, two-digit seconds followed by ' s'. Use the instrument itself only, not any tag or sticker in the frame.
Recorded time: 2 h 03 min 43 s
